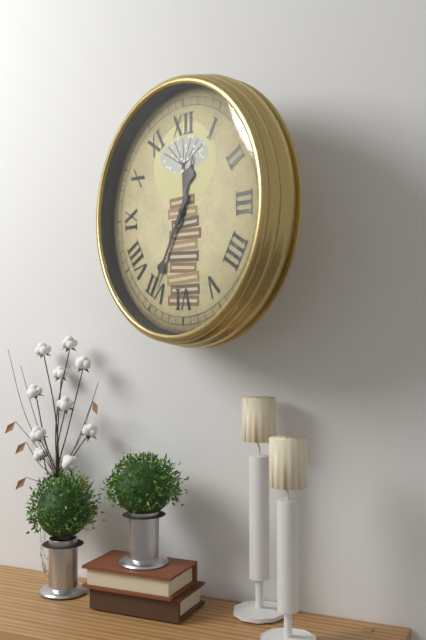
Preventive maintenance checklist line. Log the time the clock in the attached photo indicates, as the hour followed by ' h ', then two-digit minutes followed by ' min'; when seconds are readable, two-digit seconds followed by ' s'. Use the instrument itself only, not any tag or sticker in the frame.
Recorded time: 12 h 35 min
